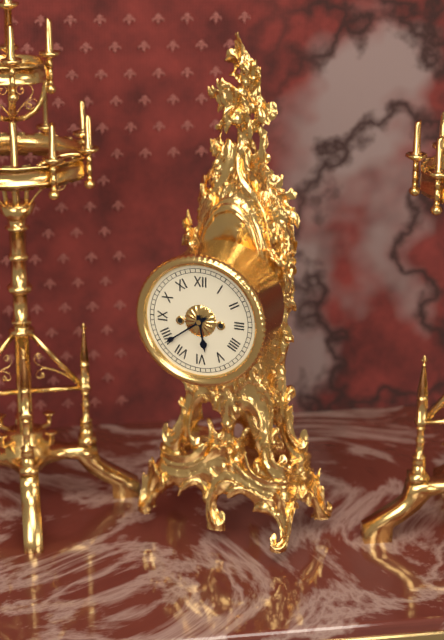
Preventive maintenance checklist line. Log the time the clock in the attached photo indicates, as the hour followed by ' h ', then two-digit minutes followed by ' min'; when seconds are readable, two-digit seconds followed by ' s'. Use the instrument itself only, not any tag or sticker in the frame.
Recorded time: 5 h 39 min
